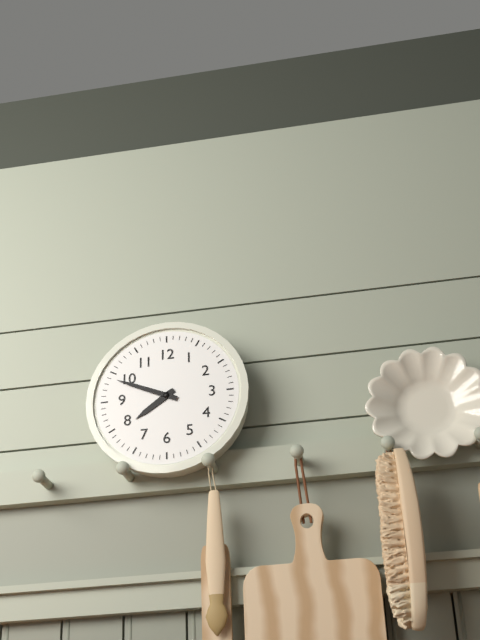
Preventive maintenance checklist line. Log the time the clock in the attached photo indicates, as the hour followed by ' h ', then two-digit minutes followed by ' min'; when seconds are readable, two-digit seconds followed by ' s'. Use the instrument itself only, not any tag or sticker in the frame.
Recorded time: 7 h 49 min
